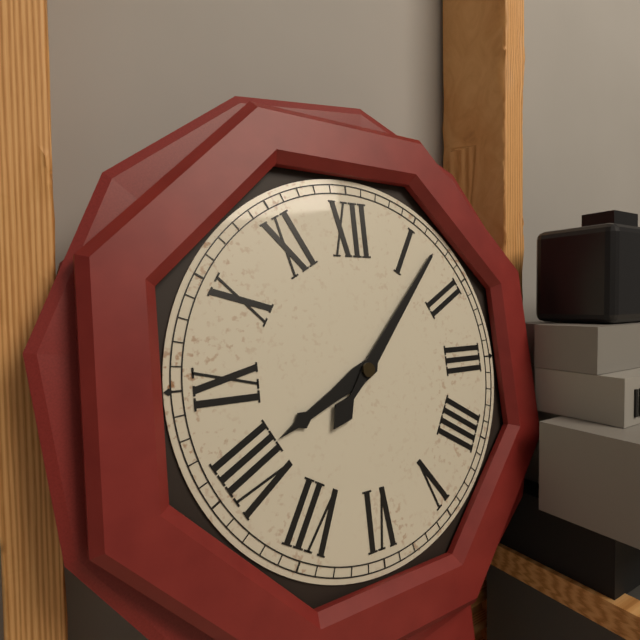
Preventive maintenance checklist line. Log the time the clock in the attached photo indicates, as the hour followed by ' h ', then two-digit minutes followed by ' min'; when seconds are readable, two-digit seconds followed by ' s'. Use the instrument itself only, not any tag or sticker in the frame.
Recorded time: 8 h 07 min
